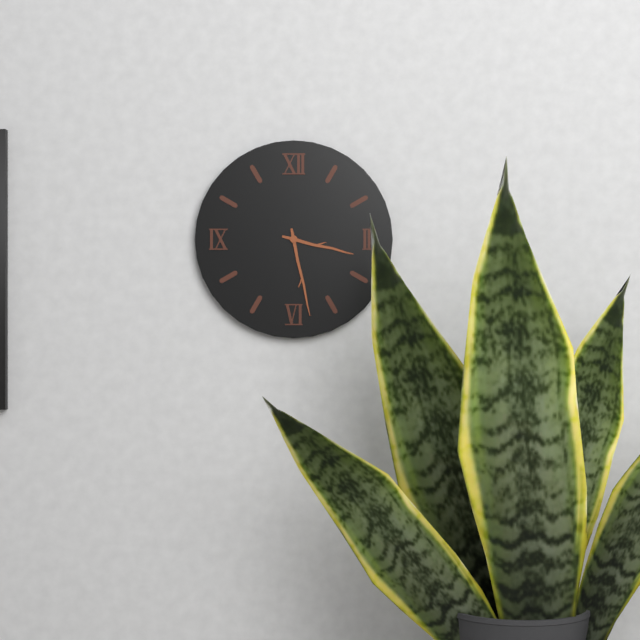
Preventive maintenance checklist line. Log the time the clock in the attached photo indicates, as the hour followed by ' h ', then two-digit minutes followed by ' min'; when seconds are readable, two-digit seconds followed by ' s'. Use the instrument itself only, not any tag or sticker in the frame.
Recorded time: 3 h 28 min
